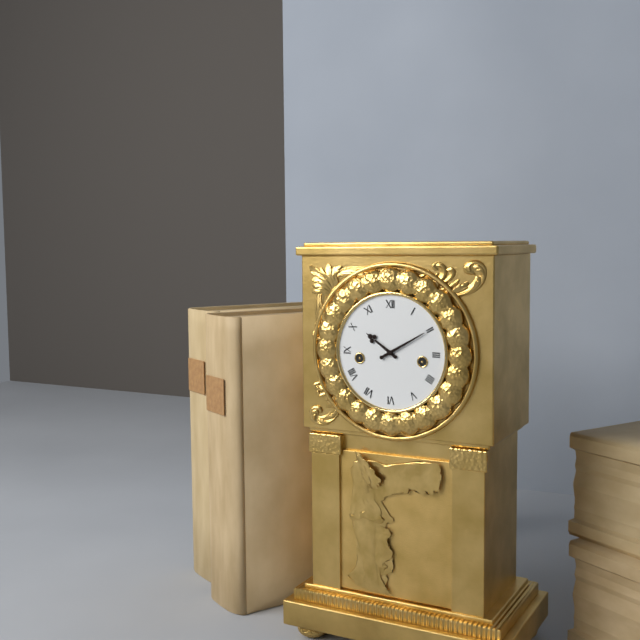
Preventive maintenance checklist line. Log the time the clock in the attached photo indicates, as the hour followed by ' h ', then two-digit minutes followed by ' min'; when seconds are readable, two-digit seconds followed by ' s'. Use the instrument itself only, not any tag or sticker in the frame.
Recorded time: 10 h 10 min
